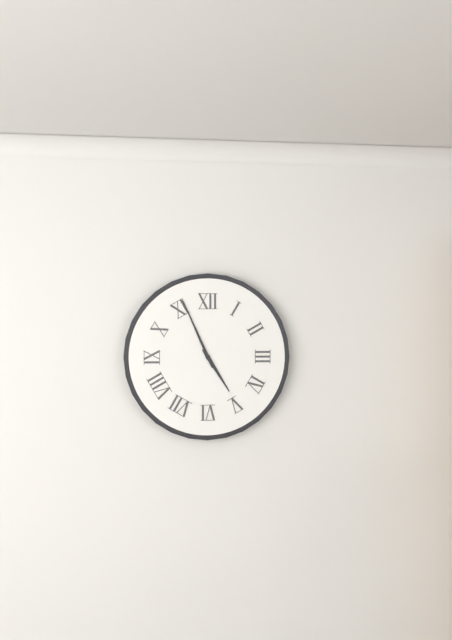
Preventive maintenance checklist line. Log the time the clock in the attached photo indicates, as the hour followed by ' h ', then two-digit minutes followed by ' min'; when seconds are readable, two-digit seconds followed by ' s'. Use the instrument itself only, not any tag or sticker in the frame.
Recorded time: 4 h 56 min
